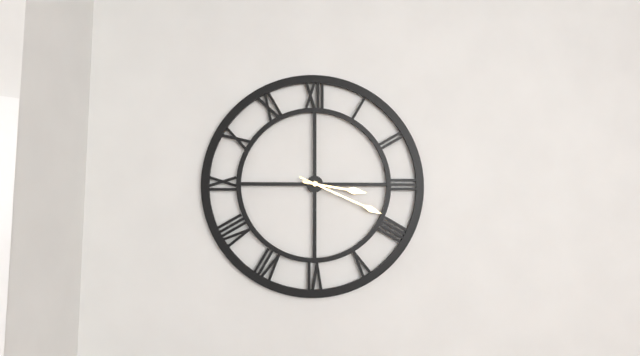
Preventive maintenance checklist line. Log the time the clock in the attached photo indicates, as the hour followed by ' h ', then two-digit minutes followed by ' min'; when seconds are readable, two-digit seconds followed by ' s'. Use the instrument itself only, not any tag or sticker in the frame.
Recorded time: 3 h 19 min
